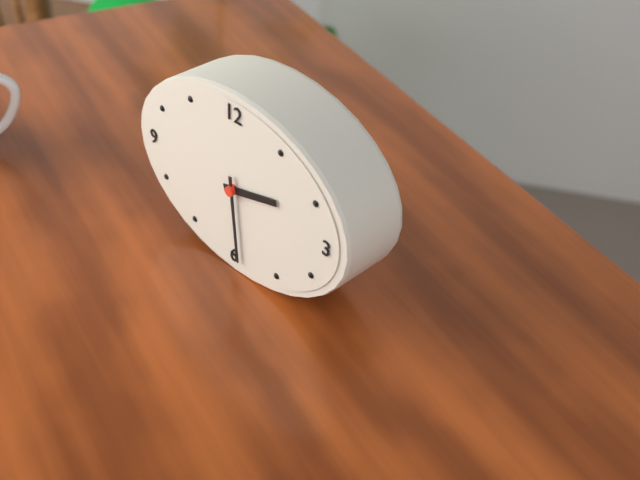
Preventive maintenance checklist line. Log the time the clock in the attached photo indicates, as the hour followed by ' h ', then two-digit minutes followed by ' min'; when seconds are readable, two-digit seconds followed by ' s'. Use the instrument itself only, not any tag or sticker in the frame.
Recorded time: 2 h 29 min
